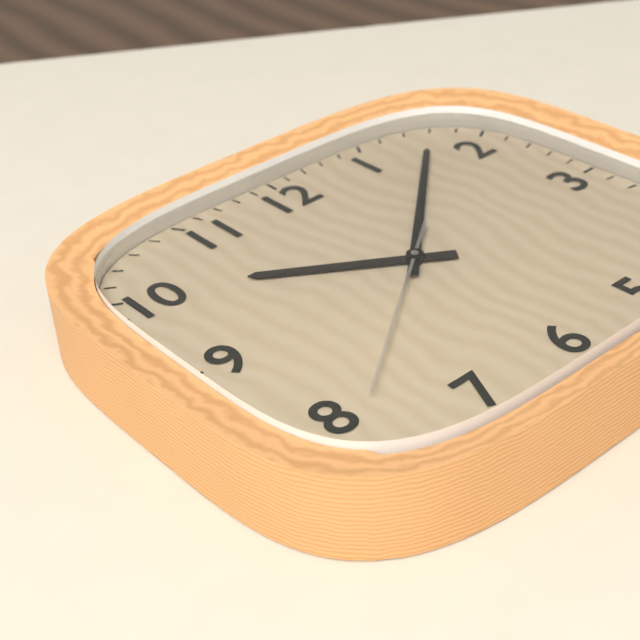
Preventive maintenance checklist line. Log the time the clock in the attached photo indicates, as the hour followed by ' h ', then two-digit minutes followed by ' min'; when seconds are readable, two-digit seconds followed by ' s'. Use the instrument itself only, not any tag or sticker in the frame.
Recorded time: 10 h 08 min 39 s
